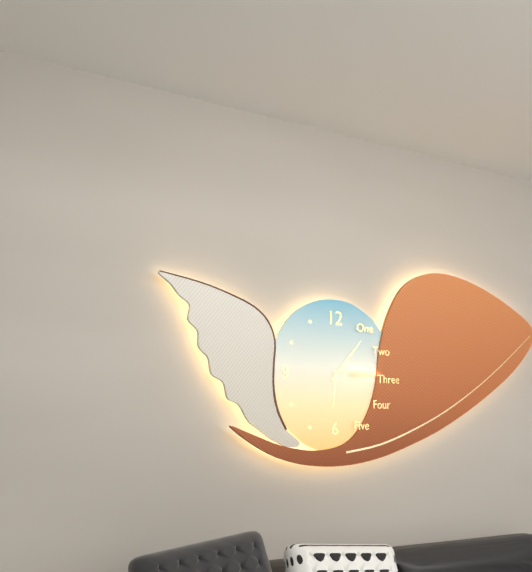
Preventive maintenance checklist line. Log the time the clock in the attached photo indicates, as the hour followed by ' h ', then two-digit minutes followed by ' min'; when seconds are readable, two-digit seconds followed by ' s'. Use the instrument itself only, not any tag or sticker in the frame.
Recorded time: 6 h 07 min
